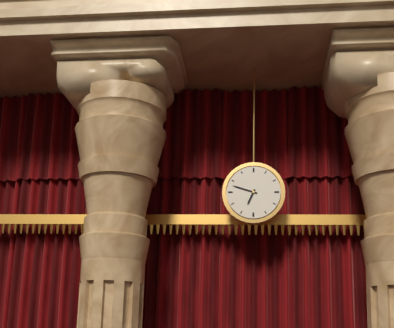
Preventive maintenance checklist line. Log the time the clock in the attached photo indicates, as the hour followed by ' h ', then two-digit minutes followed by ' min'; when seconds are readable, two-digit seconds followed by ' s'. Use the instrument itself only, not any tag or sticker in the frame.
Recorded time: 6 h 48 min
